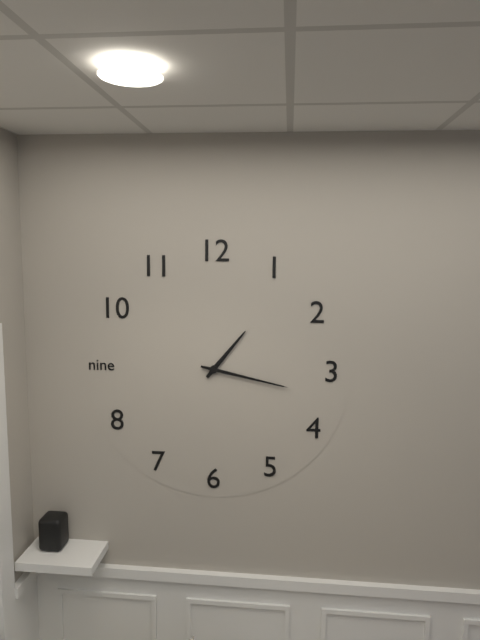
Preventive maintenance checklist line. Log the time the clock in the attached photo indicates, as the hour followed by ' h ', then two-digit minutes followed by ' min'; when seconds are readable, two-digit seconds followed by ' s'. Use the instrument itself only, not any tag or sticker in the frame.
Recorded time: 1 h 17 min
